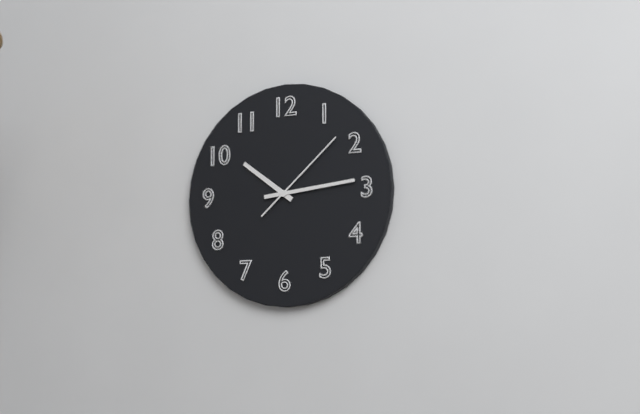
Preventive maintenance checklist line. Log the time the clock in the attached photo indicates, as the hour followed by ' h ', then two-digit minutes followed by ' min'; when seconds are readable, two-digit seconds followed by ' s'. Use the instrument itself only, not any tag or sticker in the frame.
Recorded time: 10 h 14 min 08 s
